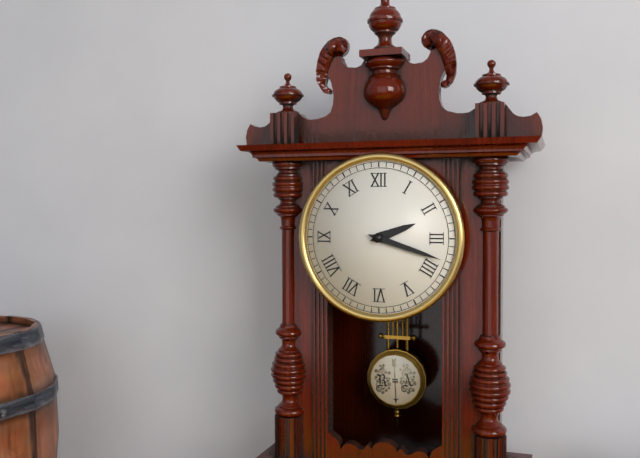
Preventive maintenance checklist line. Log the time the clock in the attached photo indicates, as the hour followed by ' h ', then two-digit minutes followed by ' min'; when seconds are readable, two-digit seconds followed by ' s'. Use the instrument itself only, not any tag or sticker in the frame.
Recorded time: 2 h 18 min
